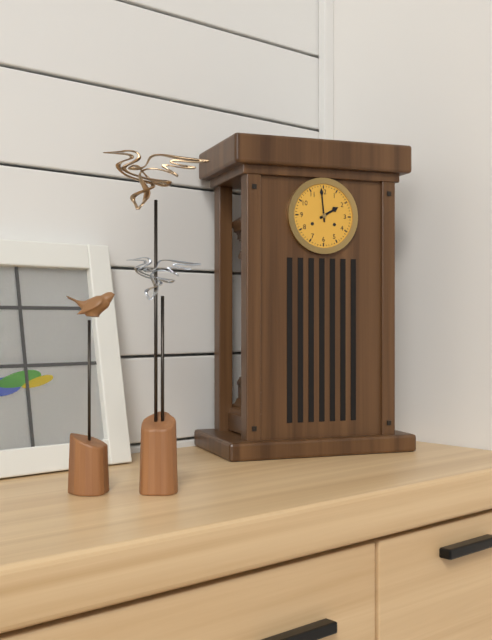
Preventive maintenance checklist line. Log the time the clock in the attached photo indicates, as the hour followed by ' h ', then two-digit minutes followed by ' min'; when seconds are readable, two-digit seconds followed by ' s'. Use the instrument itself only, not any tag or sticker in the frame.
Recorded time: 1 h 59 min
